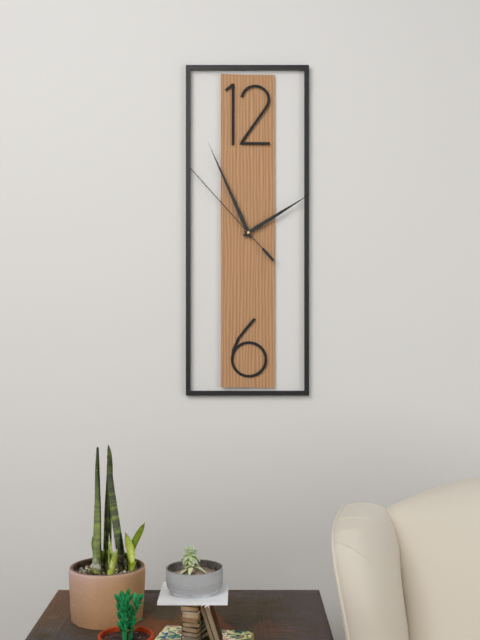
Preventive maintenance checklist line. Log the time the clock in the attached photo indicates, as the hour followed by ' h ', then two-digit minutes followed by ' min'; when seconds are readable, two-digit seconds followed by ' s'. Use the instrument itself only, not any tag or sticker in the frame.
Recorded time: 1 h 56 min 53 s
